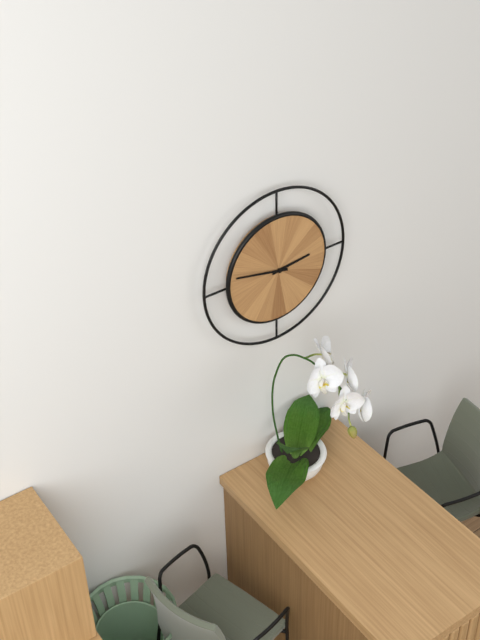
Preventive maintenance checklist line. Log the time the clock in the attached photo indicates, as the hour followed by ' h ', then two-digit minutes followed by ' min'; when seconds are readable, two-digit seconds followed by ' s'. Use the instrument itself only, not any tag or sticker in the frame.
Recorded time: 2 h 47 min
